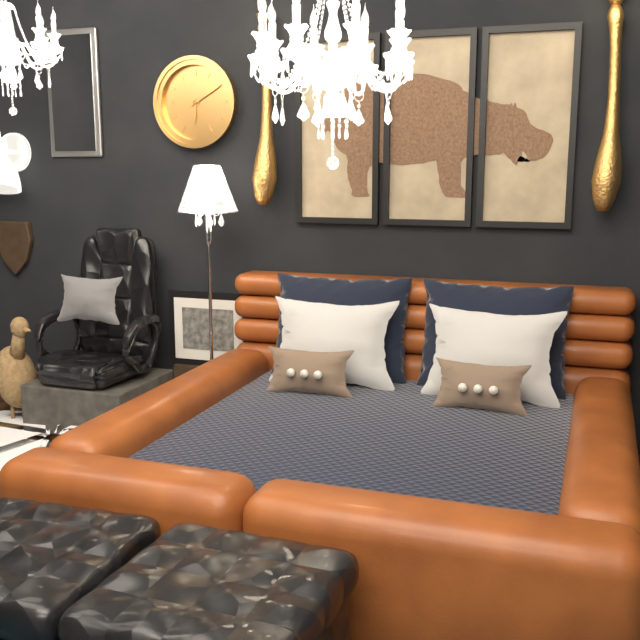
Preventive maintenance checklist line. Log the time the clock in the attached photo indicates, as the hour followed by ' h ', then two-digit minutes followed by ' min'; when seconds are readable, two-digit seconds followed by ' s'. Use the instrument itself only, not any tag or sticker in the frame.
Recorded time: 6 h 10 min
